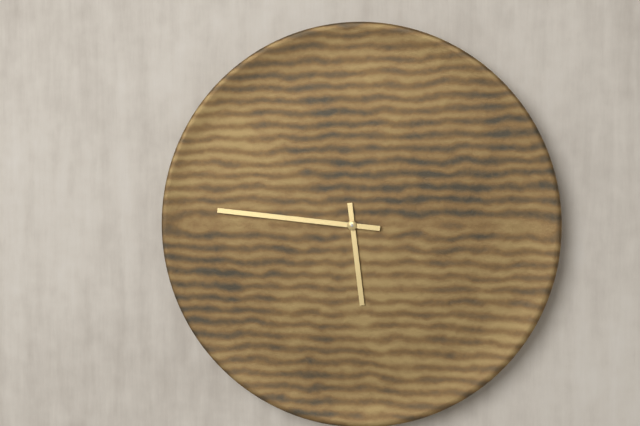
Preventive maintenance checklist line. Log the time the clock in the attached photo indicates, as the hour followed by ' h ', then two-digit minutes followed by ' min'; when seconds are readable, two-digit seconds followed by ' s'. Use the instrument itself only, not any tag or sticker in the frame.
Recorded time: 5 h 46 min
